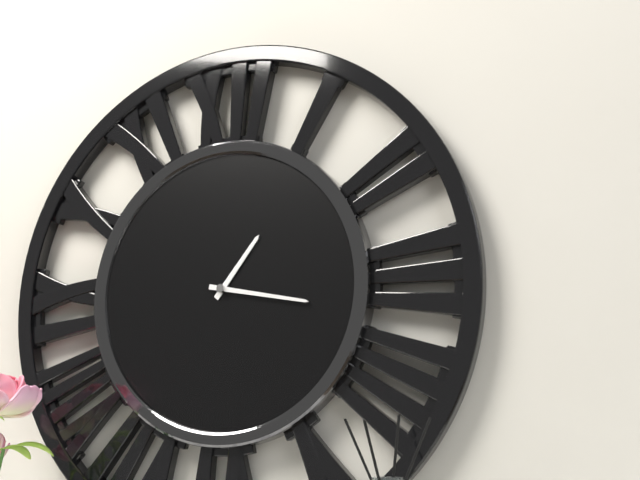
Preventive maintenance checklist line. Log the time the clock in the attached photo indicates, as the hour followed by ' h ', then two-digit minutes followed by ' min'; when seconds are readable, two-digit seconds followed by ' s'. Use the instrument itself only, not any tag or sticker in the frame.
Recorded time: 1 h 17 min
